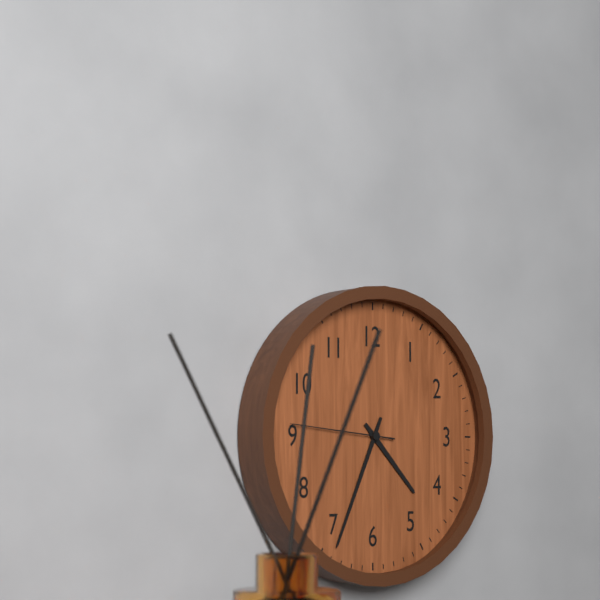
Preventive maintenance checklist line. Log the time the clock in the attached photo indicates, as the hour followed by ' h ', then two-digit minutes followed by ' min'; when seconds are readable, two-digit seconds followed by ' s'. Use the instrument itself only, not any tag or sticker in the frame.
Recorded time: 4 h 34 min 46 s
